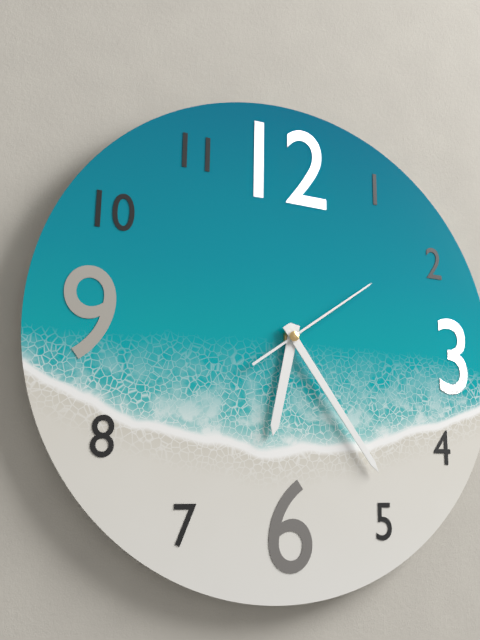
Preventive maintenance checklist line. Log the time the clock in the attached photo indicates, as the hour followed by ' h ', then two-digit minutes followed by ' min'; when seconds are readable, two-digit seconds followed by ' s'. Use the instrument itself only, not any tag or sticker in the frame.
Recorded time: 6 h 24 min 09 s
